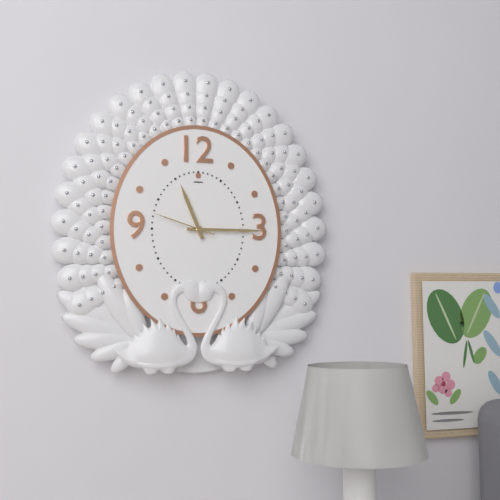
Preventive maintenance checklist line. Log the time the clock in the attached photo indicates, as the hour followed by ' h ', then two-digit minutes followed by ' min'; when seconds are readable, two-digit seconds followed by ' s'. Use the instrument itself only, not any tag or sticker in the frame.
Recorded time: 11 h 15 min 48 s
